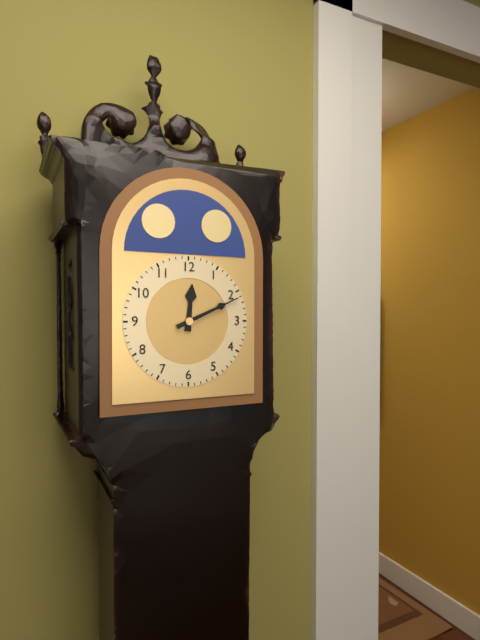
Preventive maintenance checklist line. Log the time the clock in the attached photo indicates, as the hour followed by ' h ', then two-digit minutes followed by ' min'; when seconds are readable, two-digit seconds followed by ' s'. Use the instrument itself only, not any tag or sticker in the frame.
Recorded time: 12 h 11 min
